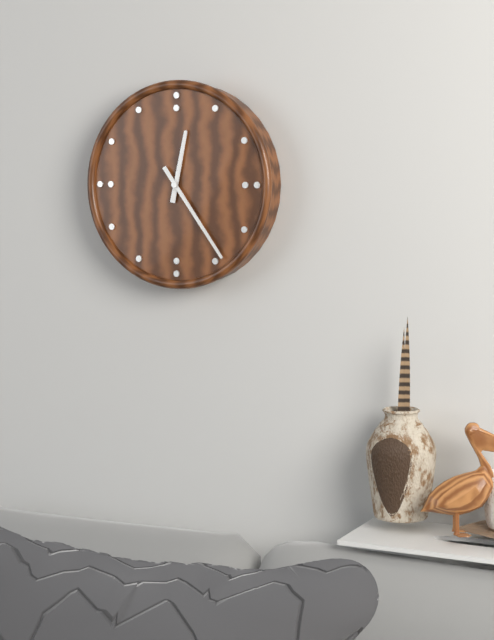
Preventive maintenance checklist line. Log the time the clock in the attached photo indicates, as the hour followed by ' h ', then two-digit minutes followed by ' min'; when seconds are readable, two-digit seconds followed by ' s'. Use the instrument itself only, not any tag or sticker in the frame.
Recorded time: 12 h 24 min
